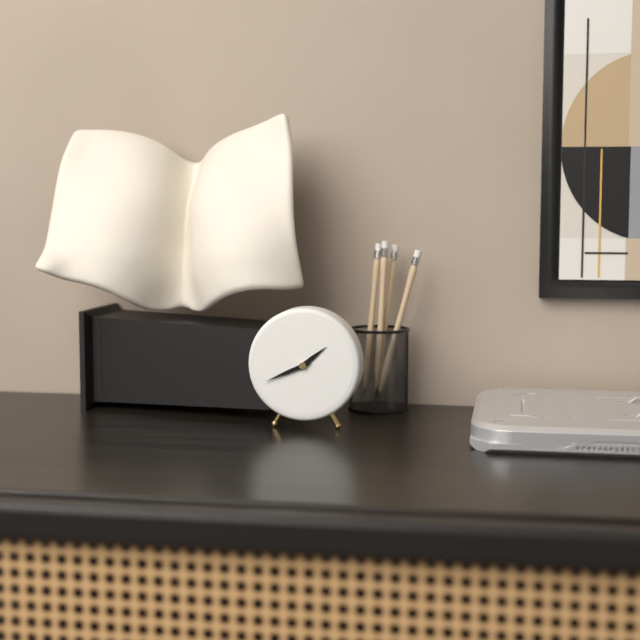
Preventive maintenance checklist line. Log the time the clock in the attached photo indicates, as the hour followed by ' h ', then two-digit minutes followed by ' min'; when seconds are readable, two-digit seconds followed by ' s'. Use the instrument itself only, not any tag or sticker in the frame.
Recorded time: 1 h 41 min
